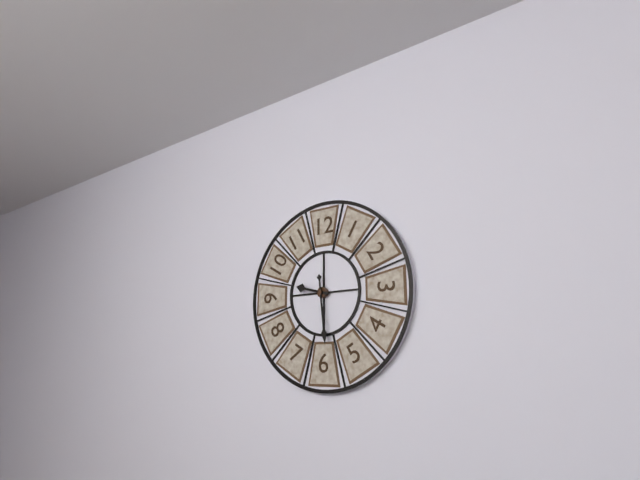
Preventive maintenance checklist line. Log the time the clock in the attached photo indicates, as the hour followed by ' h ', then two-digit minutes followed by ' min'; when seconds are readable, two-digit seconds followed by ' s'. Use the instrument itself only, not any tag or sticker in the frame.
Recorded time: 9 h 29 min
